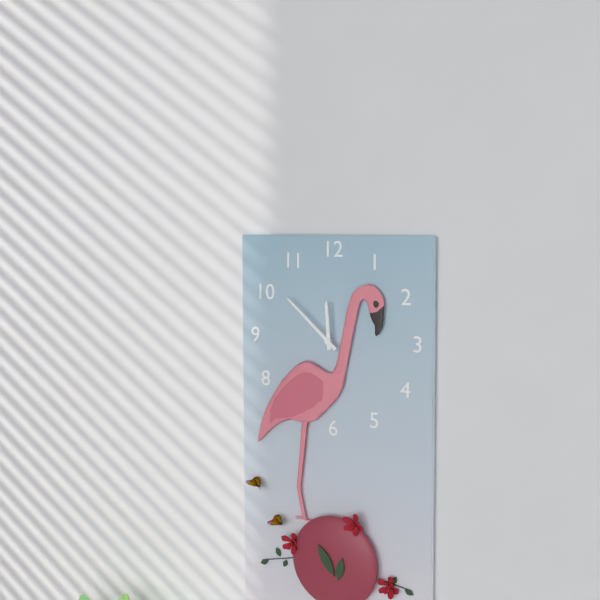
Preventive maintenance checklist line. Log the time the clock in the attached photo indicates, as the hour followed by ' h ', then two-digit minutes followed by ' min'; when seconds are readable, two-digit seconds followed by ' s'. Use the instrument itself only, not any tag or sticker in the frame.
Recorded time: 11 h 52 min
